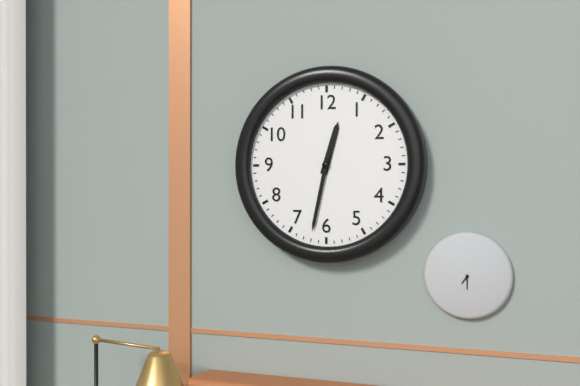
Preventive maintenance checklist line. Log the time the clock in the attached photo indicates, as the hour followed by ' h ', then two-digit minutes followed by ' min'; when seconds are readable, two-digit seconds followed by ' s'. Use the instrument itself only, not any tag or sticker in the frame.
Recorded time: 12 h 32 min
